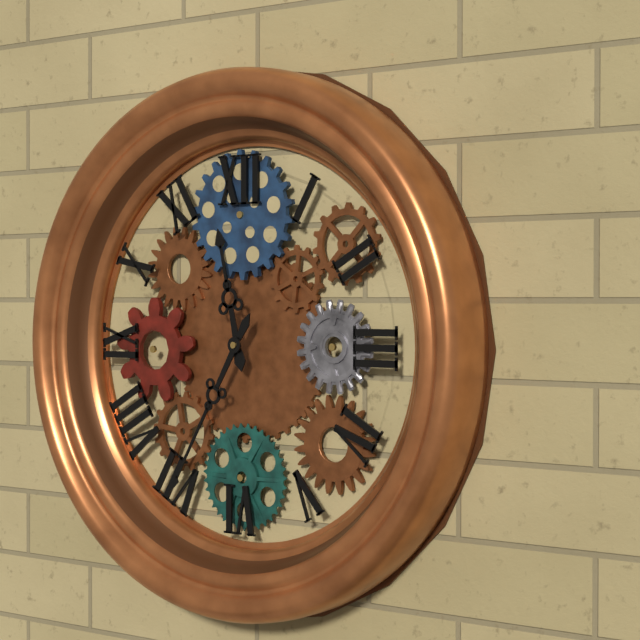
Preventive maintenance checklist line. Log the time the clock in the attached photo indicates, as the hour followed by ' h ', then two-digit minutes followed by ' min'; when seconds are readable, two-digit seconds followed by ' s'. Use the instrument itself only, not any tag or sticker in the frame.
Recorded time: 11 h 35 min
